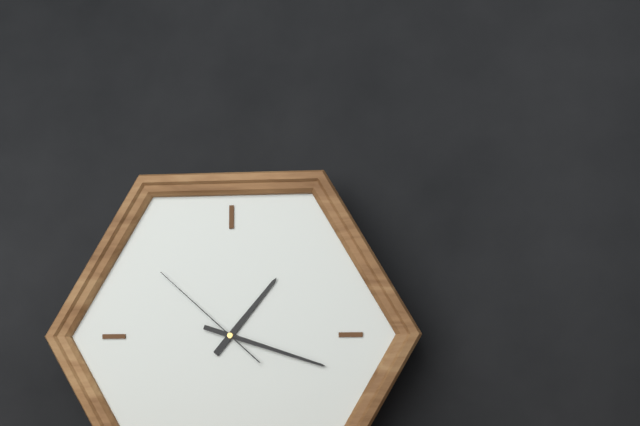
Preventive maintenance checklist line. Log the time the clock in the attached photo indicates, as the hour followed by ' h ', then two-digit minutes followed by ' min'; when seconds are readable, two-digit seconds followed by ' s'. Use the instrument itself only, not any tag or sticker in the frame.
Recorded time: 1 h 18 min 52 s
